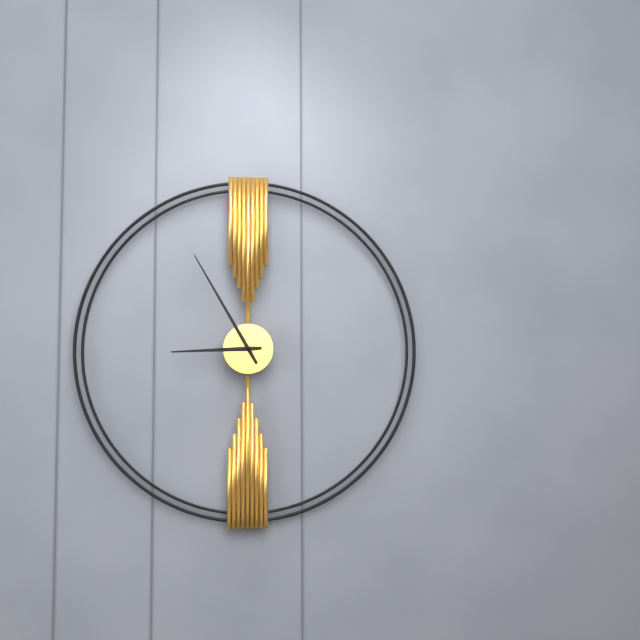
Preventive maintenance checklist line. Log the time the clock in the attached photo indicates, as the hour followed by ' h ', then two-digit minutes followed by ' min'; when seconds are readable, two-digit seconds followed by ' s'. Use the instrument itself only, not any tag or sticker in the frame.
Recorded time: 8 h 55 min
